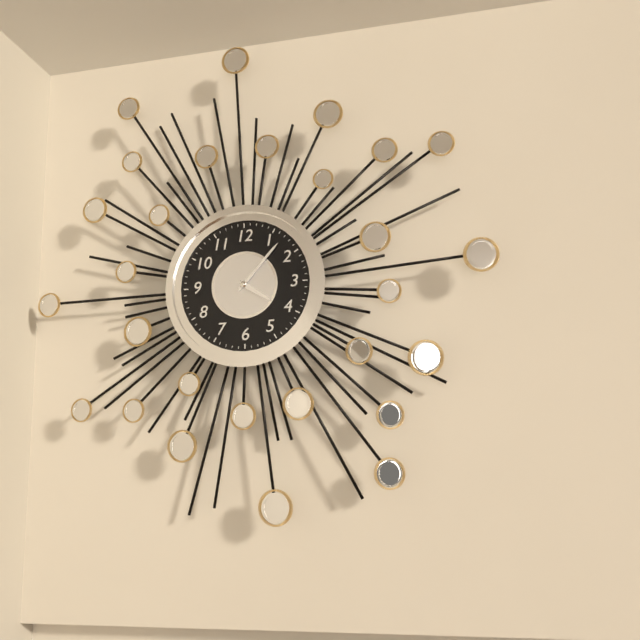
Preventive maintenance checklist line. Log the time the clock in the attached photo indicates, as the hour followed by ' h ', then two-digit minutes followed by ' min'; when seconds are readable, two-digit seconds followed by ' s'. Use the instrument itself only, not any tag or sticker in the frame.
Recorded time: 4 h 07 min
